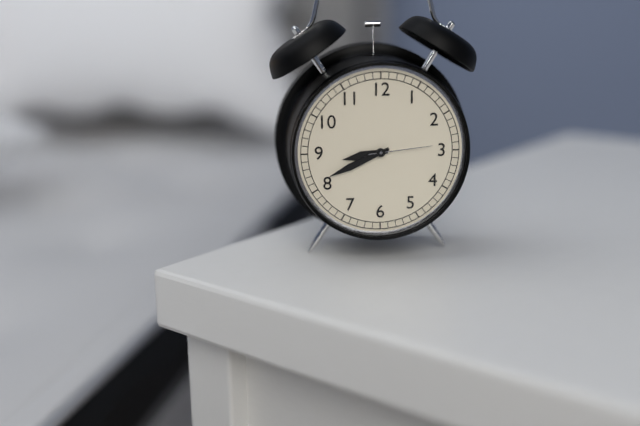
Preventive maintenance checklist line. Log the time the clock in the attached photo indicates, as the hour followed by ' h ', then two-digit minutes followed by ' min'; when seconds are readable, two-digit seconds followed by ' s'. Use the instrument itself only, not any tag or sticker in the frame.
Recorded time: 8 h 41 min 14 s
